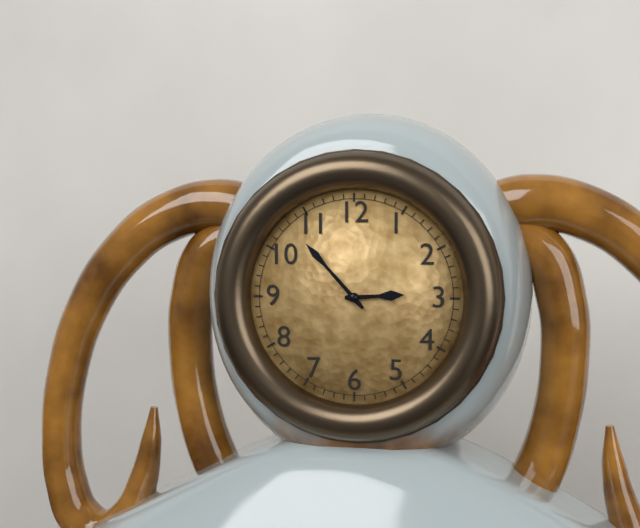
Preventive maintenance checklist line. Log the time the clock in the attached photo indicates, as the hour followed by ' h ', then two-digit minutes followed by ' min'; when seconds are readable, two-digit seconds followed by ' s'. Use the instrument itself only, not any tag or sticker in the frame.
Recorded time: 2 h 53 min
